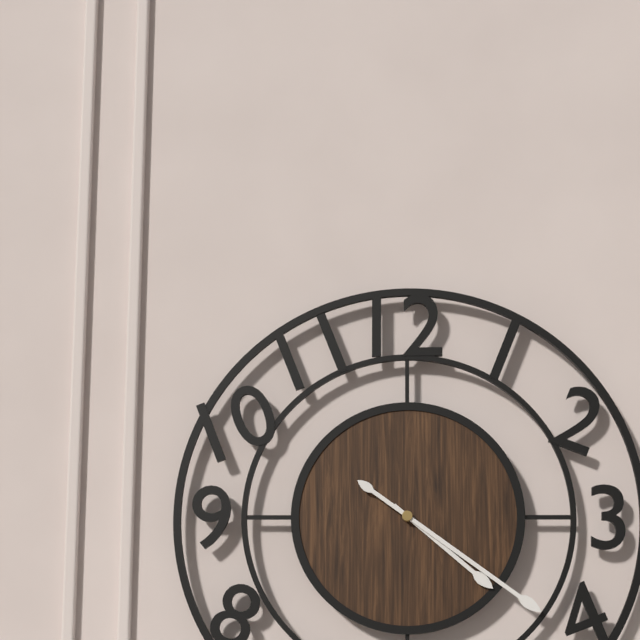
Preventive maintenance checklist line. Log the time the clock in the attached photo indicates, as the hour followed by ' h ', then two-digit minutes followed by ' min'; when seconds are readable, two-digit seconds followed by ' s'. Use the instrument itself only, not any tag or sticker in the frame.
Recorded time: 4 h 21 min
